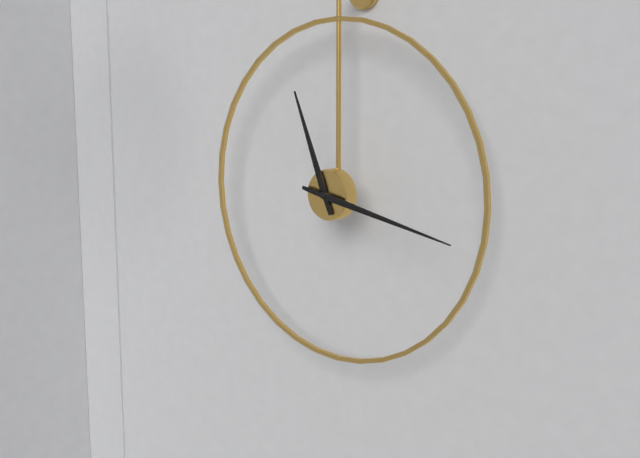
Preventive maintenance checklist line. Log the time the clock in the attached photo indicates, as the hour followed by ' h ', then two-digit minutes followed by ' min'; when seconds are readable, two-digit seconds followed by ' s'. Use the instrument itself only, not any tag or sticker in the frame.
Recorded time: 11 h 17 min
